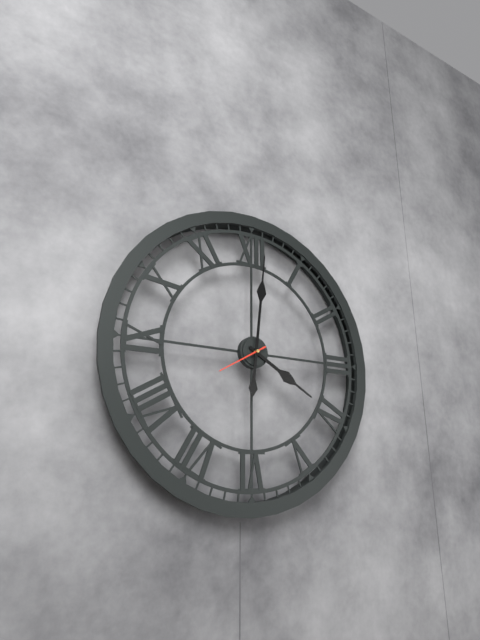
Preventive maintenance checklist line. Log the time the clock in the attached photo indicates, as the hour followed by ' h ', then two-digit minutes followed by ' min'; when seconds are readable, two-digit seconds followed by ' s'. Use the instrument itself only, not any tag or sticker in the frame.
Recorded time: 4 h 01 min
